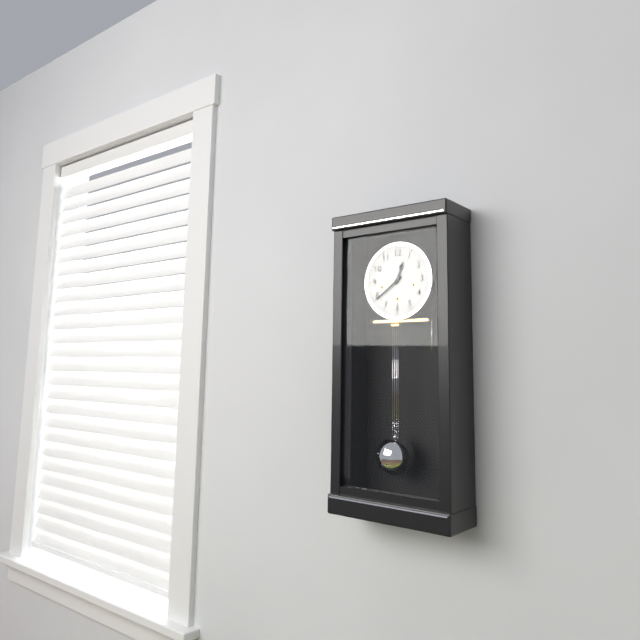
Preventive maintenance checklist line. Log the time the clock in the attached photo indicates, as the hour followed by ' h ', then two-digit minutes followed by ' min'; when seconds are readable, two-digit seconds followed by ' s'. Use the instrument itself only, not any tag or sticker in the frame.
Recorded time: 12 h 39 min
